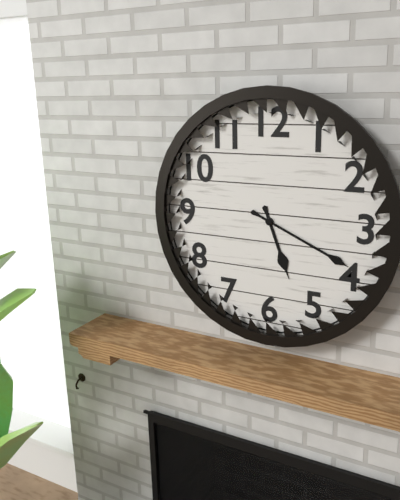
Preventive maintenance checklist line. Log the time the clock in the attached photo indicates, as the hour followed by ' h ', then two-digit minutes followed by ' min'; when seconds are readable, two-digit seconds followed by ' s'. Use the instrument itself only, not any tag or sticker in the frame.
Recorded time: 5 h 19 min
